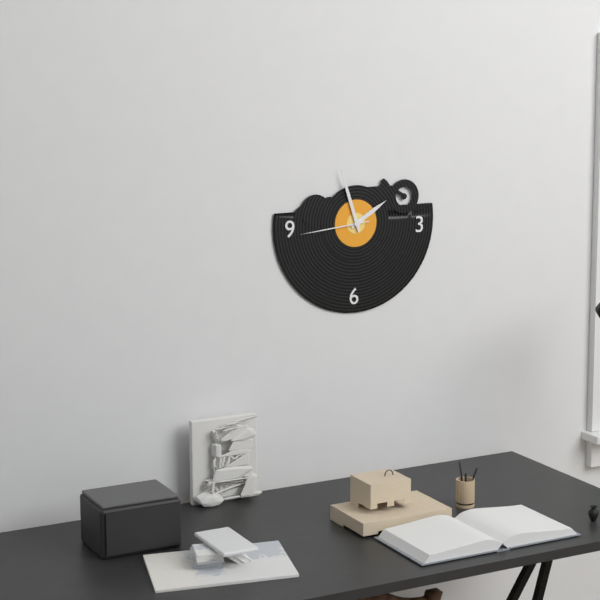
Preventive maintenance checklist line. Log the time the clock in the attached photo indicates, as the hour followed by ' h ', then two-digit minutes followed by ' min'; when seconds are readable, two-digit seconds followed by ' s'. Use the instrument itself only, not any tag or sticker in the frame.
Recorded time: 1 h 57 min 44 s
